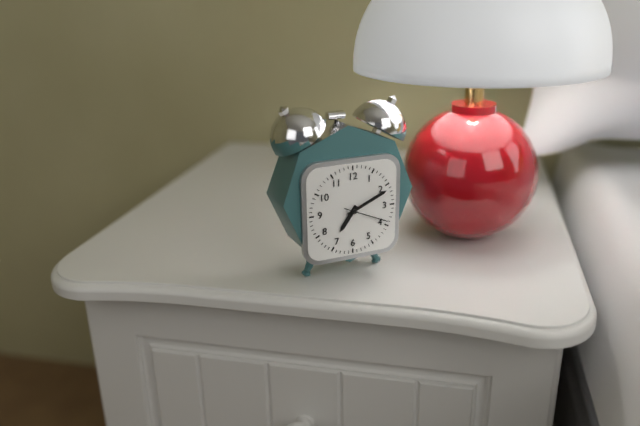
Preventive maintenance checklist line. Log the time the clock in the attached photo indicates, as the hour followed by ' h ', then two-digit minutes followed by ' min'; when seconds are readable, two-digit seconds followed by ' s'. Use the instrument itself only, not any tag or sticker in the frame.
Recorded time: 7 h 11 min
